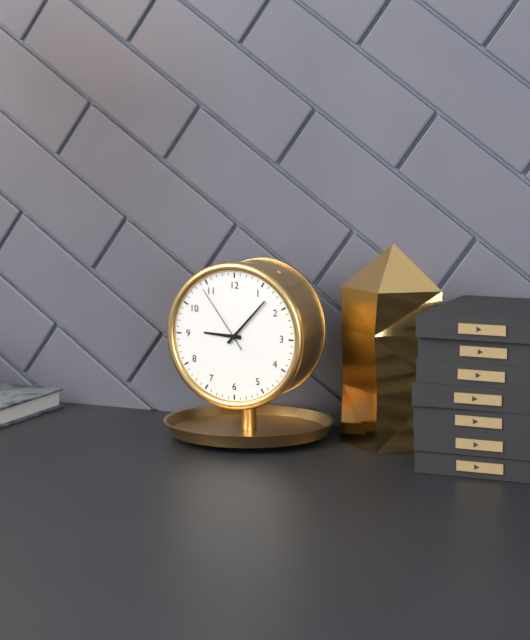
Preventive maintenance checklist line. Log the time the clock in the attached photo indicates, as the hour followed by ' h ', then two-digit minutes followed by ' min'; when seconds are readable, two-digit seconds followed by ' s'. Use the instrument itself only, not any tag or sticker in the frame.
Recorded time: 9 h 07 min 54 s
